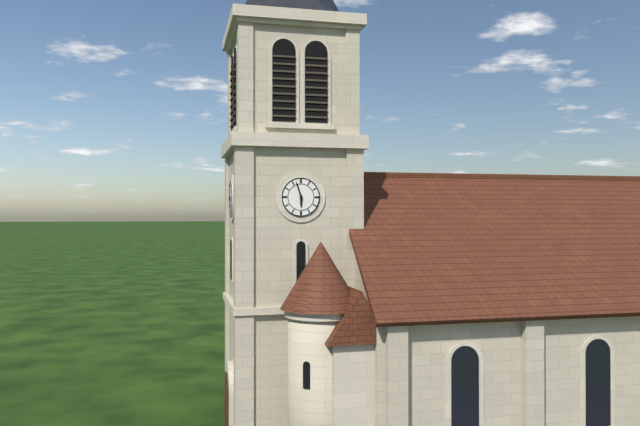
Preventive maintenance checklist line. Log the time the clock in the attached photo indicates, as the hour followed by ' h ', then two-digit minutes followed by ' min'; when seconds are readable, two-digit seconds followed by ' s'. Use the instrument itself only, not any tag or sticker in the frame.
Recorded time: 5 h 57 min
